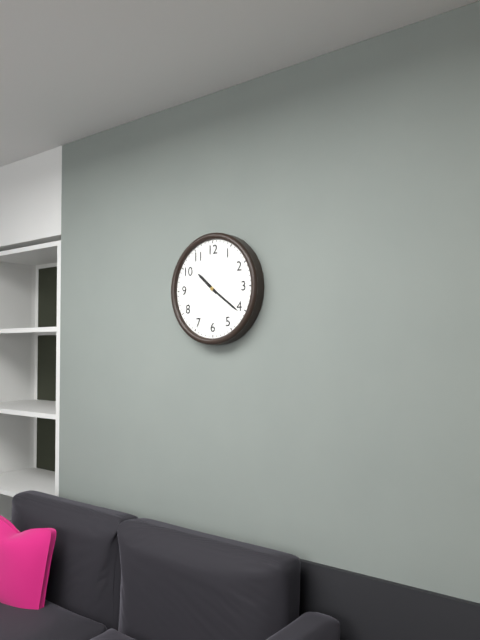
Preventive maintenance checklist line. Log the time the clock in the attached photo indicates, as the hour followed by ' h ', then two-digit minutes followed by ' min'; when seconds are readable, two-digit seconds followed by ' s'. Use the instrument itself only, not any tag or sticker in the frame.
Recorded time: 10 h 21 min
